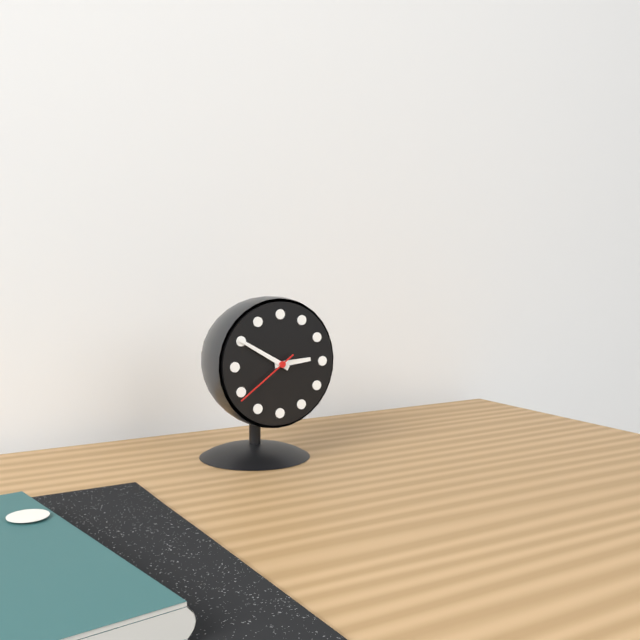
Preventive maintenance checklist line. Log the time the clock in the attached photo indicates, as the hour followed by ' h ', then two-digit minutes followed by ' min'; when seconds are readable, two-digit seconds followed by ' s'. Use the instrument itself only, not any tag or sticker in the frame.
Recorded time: 2 h 50 min 39 s
